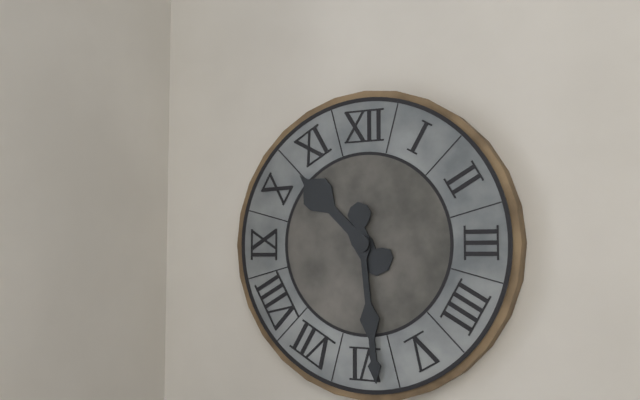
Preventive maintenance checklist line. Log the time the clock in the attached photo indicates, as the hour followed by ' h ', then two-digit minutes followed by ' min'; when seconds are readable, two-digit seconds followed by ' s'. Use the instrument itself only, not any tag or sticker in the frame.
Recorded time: 10 h 29 min
